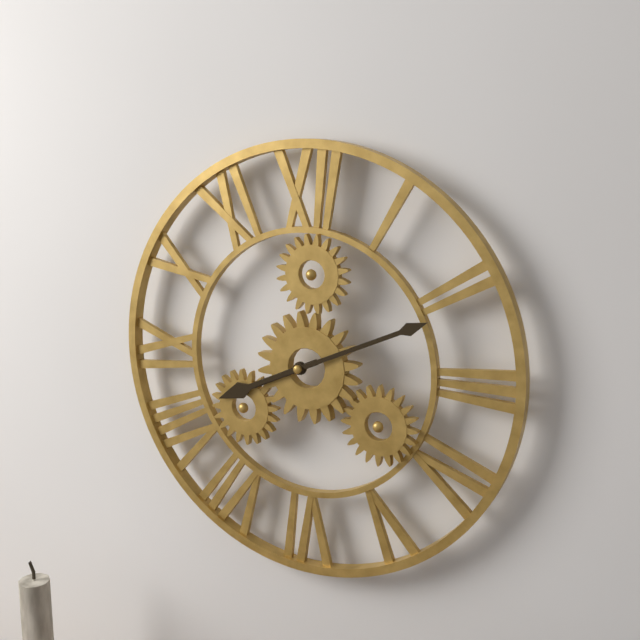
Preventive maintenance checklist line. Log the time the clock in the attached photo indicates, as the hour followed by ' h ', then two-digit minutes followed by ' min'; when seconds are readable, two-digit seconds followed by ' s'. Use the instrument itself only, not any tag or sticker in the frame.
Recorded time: 8 h 11 min
